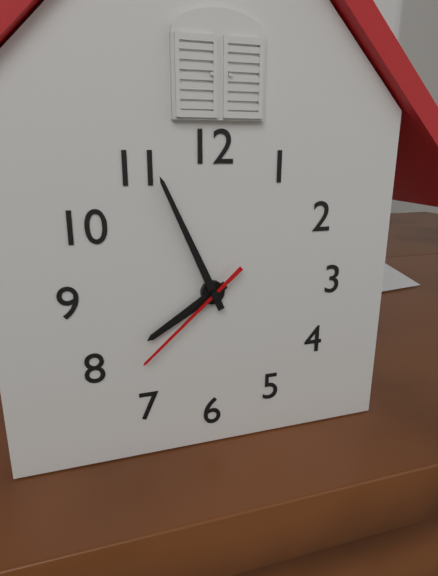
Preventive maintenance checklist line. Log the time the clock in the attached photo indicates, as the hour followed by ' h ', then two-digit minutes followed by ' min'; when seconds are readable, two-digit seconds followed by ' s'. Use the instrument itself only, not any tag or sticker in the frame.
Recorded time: 7 h 56 min 38 s
